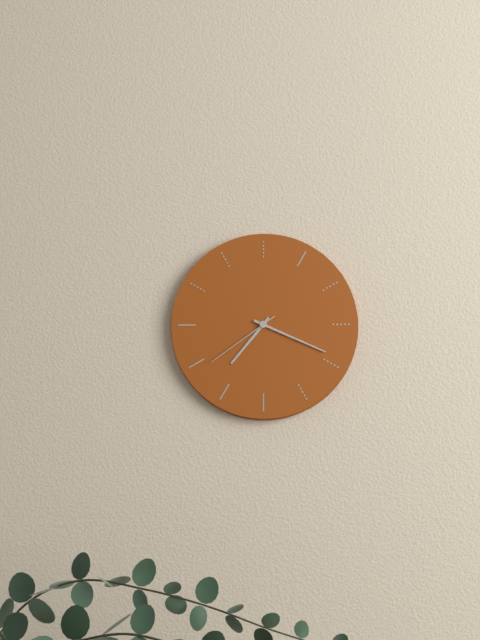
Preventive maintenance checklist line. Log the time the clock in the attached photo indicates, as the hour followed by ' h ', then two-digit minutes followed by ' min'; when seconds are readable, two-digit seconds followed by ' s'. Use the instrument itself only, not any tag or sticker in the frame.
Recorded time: 7 h 19 min 39 s
